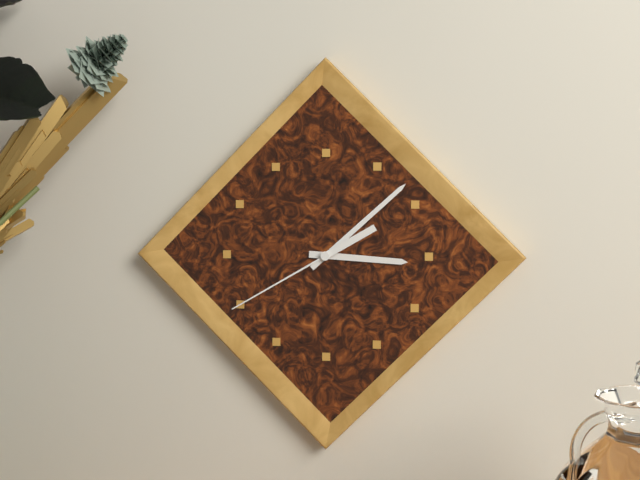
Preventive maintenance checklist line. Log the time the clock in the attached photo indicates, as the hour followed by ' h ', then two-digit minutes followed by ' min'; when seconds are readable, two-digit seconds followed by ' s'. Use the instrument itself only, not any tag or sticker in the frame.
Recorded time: 3 h 08 min 40 s
